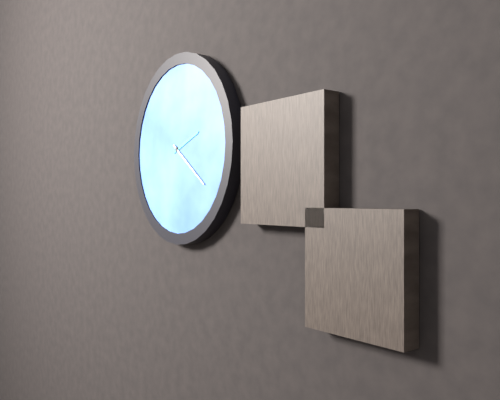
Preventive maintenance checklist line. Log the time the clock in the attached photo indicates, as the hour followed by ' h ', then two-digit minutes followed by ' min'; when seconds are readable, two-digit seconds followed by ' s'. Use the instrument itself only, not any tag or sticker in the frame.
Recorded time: 2 h 21 min
